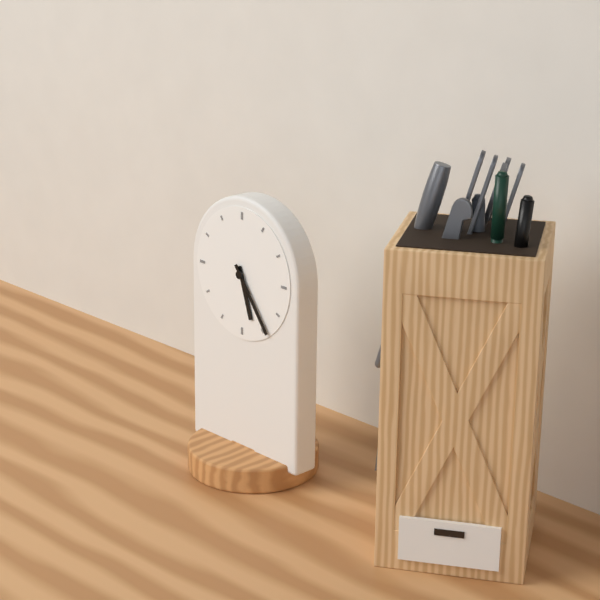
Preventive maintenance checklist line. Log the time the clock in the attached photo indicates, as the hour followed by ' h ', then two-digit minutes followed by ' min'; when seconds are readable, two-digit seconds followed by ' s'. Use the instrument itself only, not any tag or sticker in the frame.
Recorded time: 5 h 24 min
